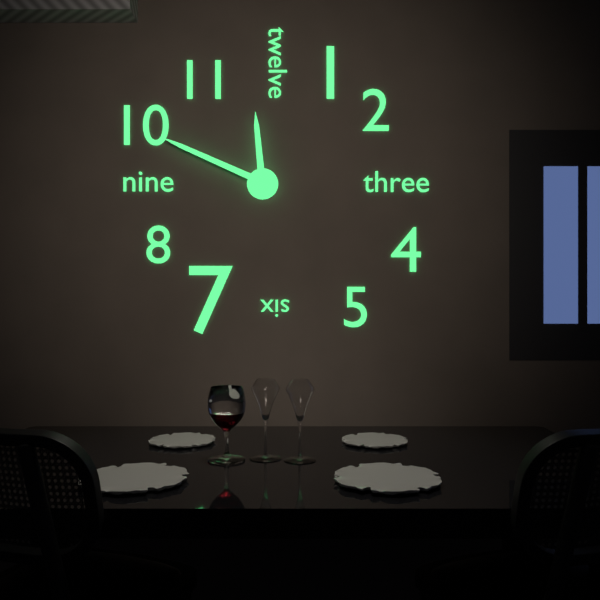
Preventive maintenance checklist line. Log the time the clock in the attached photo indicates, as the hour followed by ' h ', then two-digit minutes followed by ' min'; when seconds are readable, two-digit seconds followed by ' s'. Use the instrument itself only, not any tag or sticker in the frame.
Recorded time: 11 h 49 min
